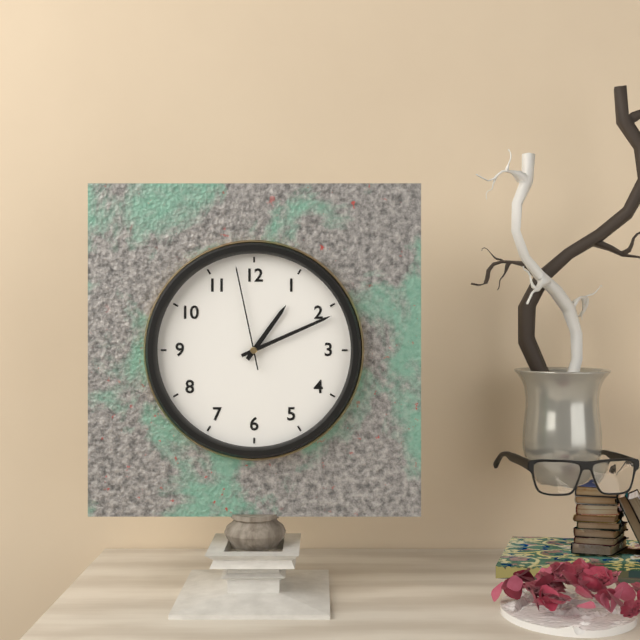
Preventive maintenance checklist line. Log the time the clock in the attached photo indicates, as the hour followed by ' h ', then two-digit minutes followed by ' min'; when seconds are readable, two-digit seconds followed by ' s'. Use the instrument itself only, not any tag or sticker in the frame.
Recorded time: 1 h 11 min 58 s
